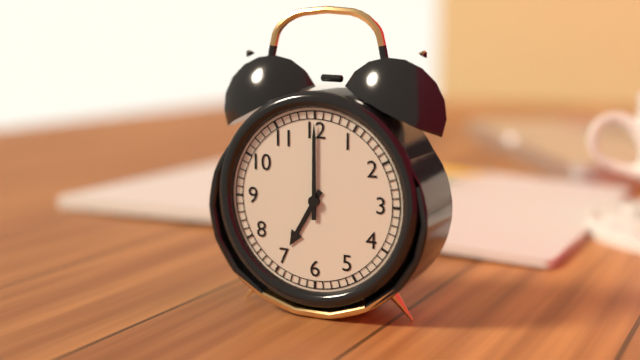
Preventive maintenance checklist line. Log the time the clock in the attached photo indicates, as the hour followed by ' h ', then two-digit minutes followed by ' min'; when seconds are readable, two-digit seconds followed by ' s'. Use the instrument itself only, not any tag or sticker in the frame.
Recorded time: 7 h 00 min
